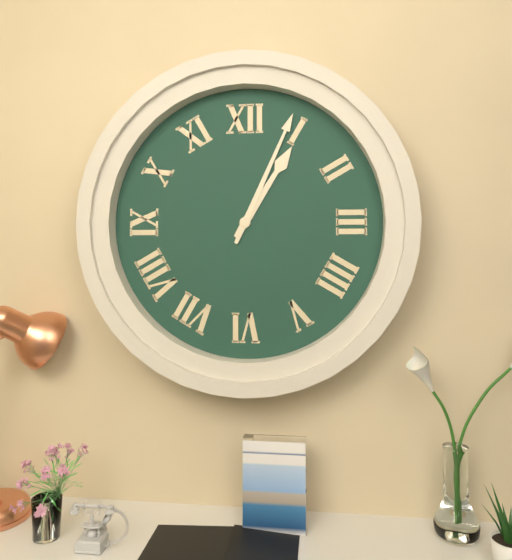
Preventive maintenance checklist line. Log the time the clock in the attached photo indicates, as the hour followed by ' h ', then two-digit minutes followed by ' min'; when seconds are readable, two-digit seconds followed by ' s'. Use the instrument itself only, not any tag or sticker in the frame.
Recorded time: 1 h 04 min
